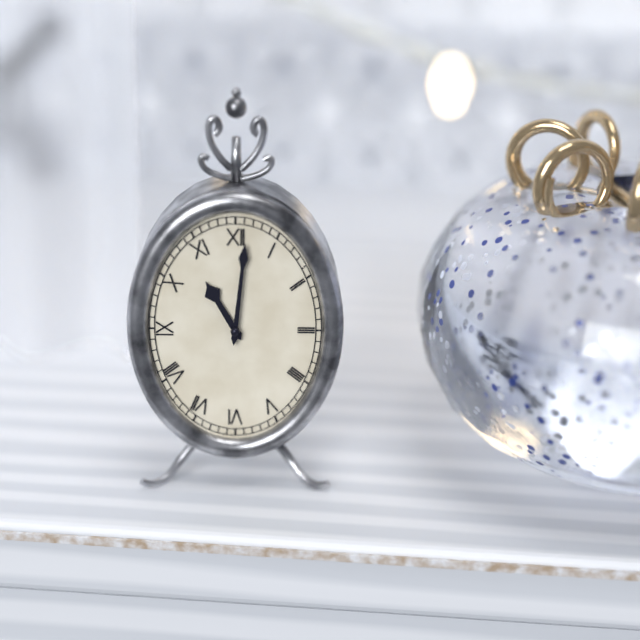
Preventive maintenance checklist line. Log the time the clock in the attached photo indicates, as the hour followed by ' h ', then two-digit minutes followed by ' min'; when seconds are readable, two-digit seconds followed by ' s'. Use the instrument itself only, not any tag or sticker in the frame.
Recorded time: 11 h 01 min
